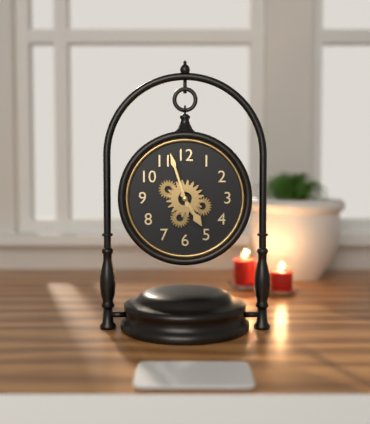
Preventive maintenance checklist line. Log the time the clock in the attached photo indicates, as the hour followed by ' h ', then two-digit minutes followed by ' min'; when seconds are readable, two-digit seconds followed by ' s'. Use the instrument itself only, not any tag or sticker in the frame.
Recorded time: 4 h 57 min
